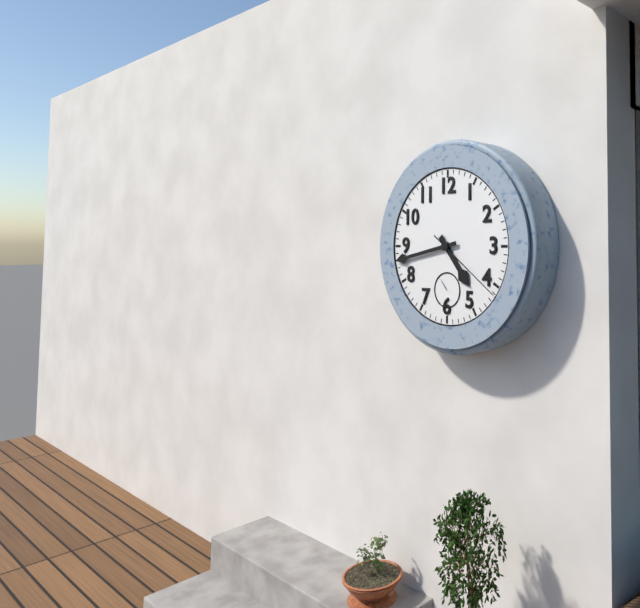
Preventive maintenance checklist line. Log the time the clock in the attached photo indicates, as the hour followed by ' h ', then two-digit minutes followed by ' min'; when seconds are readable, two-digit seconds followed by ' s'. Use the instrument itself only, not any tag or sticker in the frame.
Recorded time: 4 h 43 min 21 s
